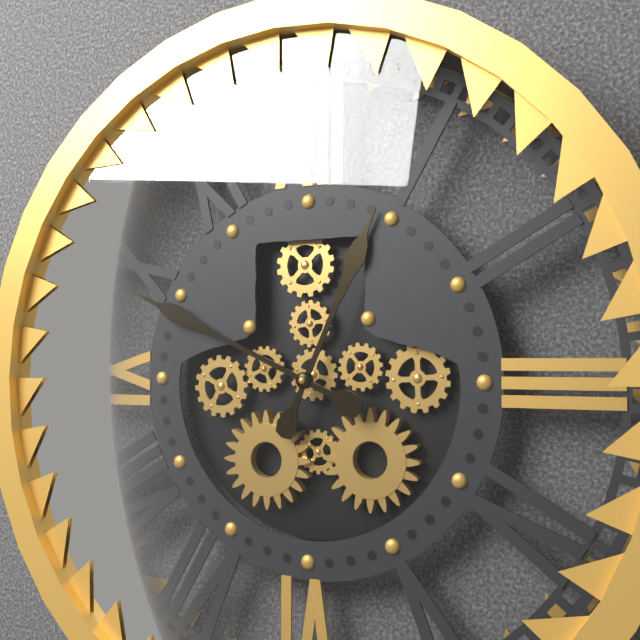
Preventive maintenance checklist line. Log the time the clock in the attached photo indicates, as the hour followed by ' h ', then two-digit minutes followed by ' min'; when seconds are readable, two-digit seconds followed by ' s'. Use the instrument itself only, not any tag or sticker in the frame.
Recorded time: 12 h 49 min
